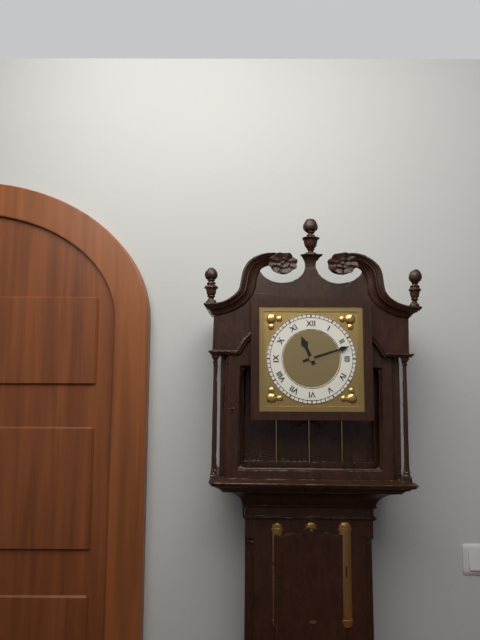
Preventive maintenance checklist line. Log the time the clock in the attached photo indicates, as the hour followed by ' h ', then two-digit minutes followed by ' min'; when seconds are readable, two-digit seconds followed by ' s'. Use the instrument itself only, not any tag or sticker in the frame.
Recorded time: 11 h 12 min
